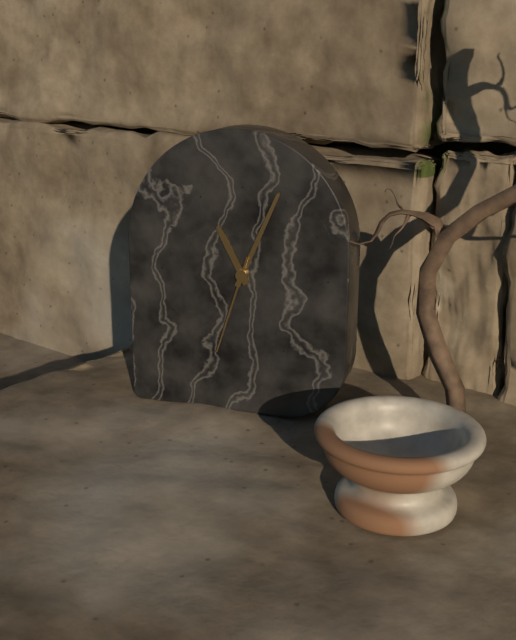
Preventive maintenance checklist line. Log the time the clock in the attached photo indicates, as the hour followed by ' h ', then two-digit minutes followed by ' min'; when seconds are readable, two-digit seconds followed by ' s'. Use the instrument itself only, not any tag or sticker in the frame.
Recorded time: 11 h 04 min 33 s
